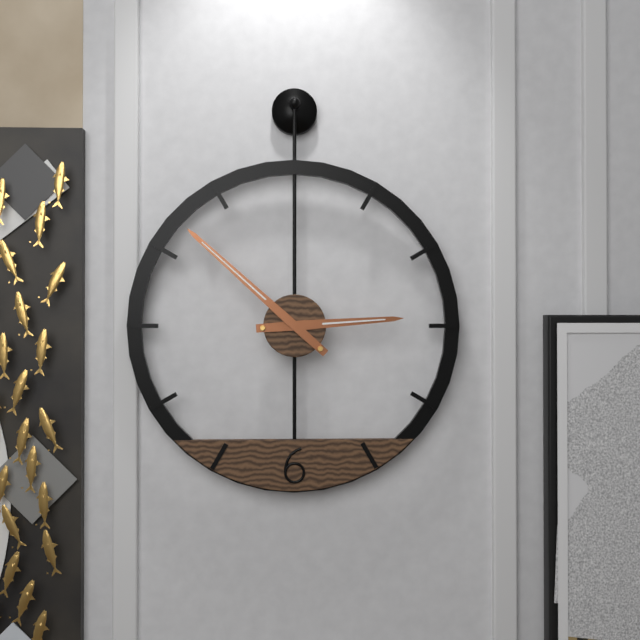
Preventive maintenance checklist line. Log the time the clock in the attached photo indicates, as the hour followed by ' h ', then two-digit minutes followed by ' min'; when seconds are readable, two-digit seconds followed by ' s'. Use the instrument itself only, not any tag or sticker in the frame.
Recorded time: 2 h 52 min
